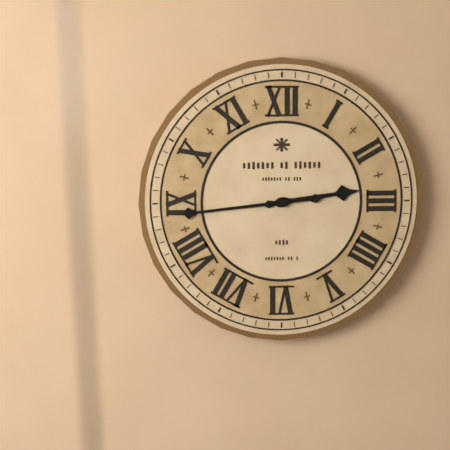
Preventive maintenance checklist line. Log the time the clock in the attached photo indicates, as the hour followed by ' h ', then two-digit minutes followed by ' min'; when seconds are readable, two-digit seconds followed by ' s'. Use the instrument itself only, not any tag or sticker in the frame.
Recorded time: 2 h 44 min
